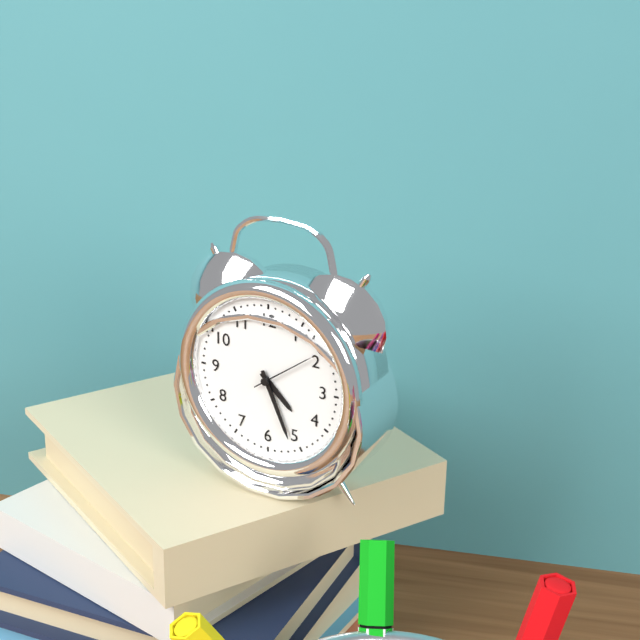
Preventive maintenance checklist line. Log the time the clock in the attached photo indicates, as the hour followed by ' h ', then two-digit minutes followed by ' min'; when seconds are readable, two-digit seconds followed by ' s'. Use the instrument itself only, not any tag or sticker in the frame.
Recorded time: 4 h 26 min 09 s
